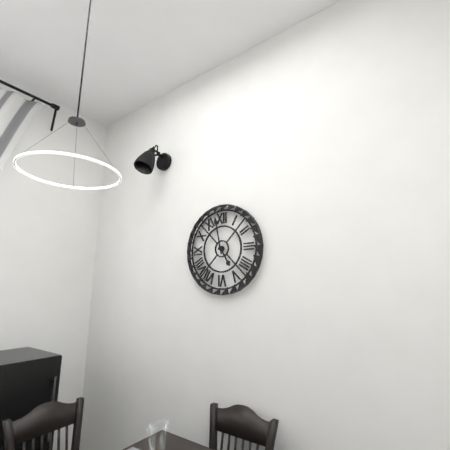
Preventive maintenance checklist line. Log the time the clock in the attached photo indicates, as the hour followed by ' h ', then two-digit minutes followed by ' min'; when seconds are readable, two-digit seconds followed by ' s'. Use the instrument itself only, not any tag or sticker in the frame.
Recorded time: 4 h 58 min
